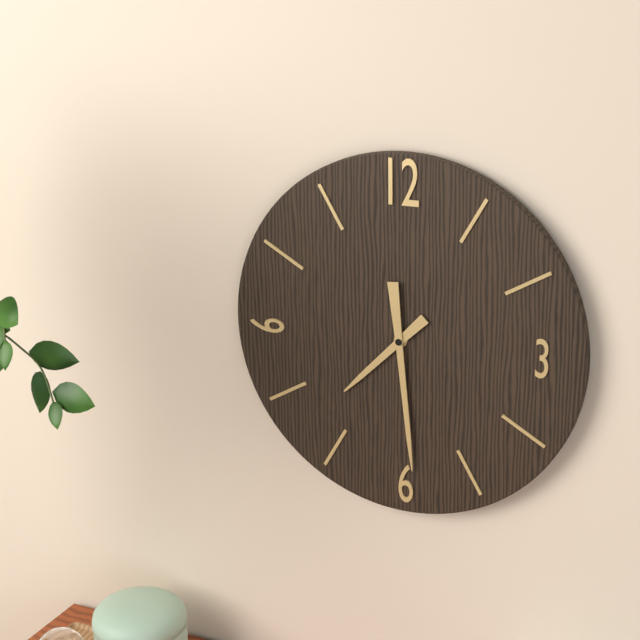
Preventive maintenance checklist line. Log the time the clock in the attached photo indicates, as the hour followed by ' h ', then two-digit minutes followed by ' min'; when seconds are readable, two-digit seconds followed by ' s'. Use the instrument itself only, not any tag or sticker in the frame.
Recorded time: 7 h 29 min
